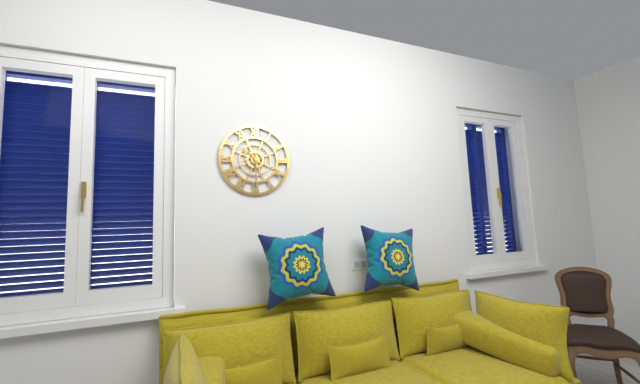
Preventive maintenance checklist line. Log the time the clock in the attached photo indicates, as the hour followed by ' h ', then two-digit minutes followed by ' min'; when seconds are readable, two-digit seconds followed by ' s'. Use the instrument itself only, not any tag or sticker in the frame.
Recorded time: 10 h 30 min
